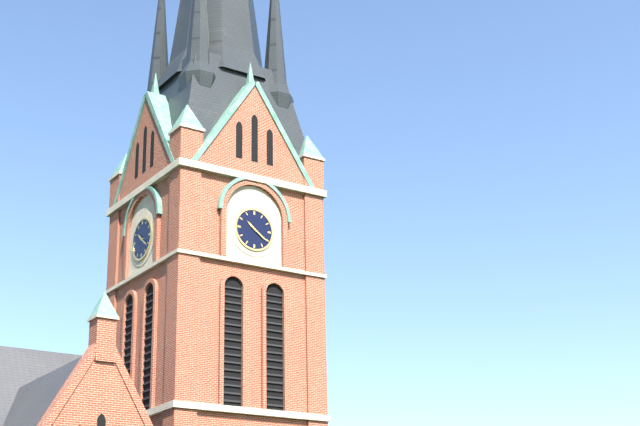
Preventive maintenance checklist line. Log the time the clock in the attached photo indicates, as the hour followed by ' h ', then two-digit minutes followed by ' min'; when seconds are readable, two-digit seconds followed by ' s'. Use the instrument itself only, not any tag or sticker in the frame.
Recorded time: 10 h 21 min
